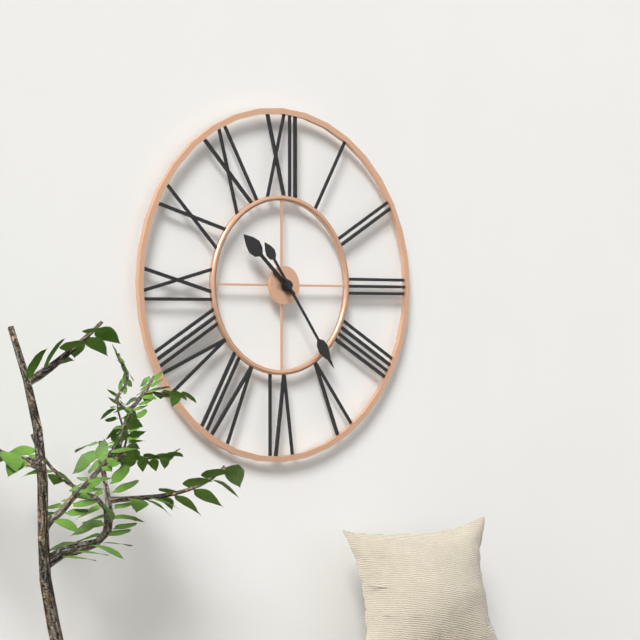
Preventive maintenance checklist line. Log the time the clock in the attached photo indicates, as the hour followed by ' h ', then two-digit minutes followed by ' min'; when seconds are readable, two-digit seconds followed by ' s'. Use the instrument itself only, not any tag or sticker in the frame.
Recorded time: 10 h 24 min
